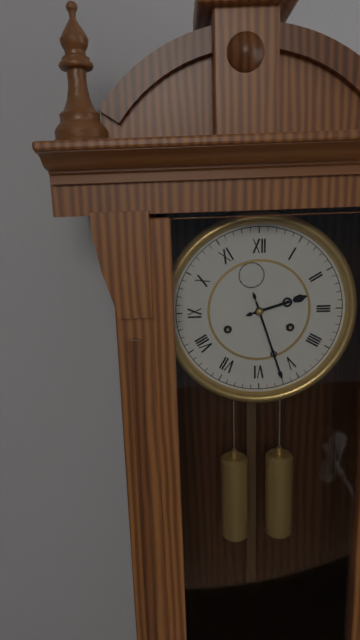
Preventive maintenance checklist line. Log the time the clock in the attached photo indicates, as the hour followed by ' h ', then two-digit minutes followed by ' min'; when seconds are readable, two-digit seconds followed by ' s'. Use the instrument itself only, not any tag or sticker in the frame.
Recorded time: 2 h 27 min
